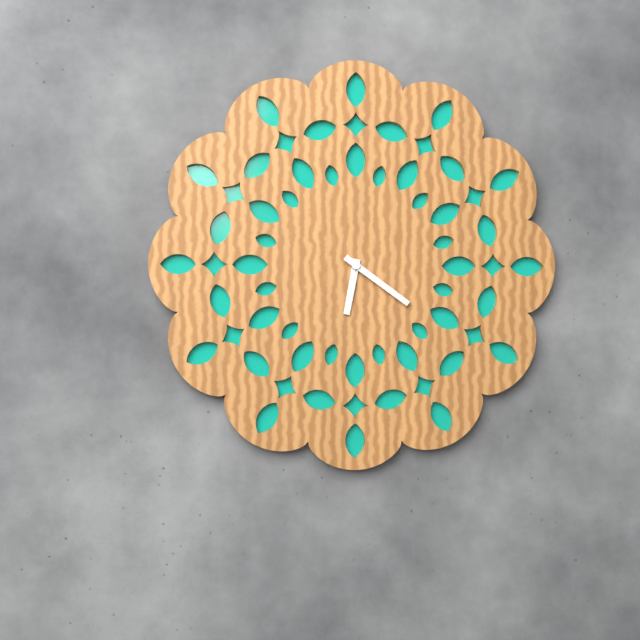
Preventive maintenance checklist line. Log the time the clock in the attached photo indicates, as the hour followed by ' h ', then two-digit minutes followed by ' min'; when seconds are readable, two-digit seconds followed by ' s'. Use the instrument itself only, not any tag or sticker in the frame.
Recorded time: 6 h 21 min
